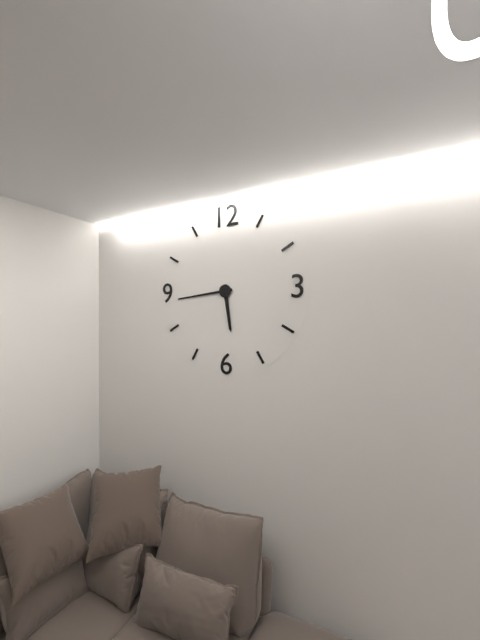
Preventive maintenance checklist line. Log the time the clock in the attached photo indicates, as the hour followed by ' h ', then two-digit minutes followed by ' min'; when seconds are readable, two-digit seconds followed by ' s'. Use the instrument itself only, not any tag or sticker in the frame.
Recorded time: 5 h 44 min
